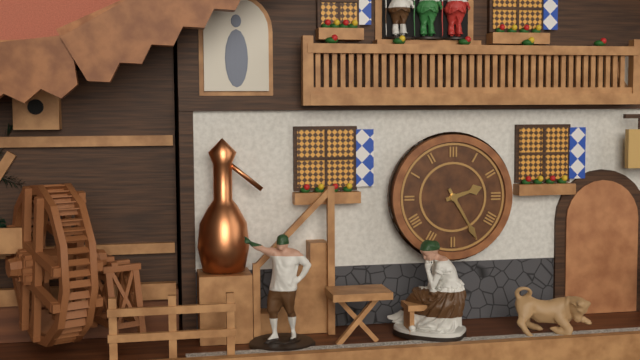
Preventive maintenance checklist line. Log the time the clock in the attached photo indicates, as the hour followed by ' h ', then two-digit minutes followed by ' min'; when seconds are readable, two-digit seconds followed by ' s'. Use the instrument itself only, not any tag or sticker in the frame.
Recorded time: 2 h 25 min
